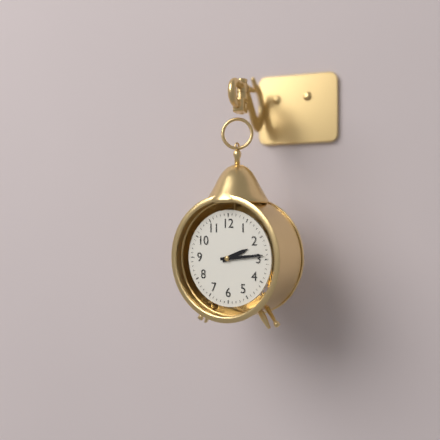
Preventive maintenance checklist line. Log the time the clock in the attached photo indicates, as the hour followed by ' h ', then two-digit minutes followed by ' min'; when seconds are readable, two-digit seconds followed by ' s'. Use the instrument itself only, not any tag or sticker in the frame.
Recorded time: 2 h 14 min
